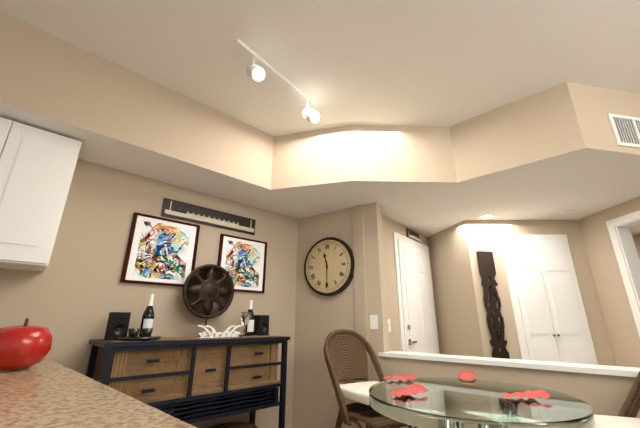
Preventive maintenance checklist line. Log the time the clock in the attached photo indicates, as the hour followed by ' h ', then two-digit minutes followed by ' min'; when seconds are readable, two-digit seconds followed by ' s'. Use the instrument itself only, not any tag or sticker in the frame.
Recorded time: 11 h 30 min
